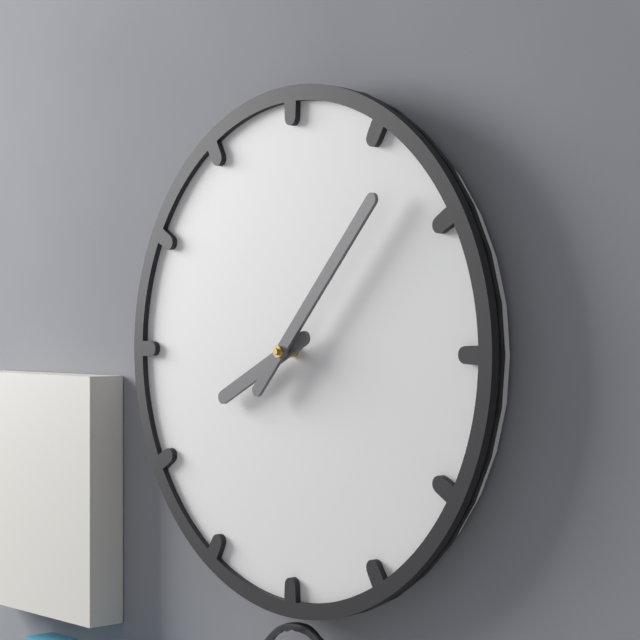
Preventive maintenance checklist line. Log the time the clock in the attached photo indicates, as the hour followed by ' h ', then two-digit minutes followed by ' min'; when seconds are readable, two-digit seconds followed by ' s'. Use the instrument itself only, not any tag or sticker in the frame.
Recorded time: 8 h 07 min
